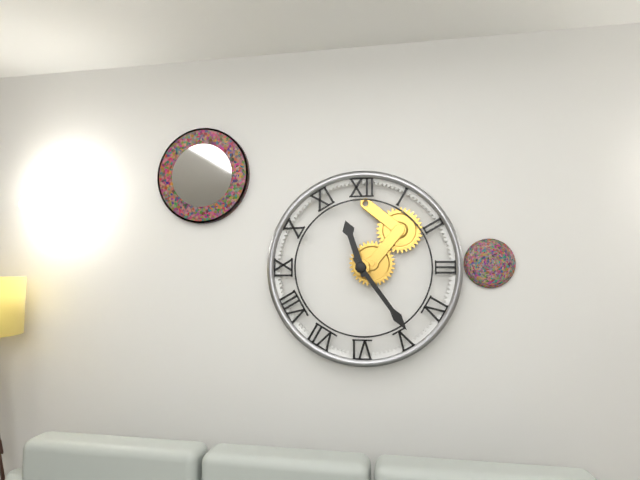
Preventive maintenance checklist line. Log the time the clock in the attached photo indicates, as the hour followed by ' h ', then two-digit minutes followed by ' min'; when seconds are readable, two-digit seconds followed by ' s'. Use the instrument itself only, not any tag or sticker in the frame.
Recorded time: 11 h 24 min
